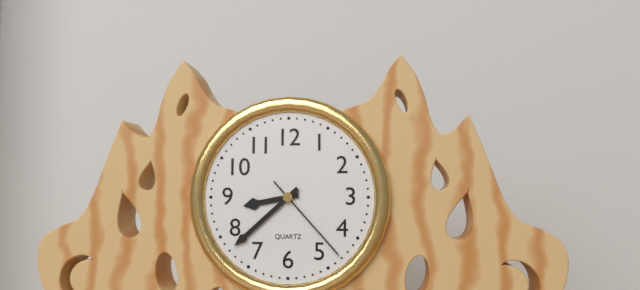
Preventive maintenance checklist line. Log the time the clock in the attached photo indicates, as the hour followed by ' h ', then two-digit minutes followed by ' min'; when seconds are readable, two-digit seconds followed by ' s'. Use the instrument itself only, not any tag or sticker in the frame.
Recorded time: 8 h 38 min 23 s
